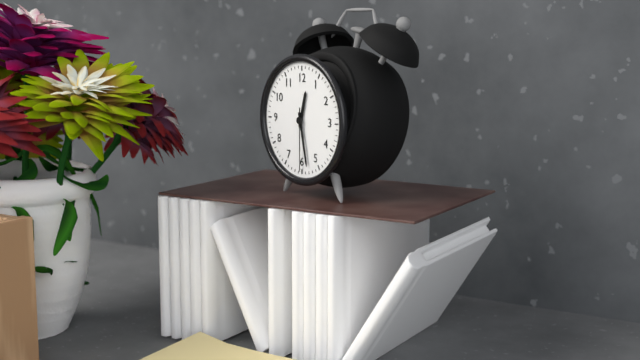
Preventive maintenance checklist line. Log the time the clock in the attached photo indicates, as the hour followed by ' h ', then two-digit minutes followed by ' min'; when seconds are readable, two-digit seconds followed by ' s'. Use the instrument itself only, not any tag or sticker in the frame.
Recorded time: 12 h 28 min 30 s
